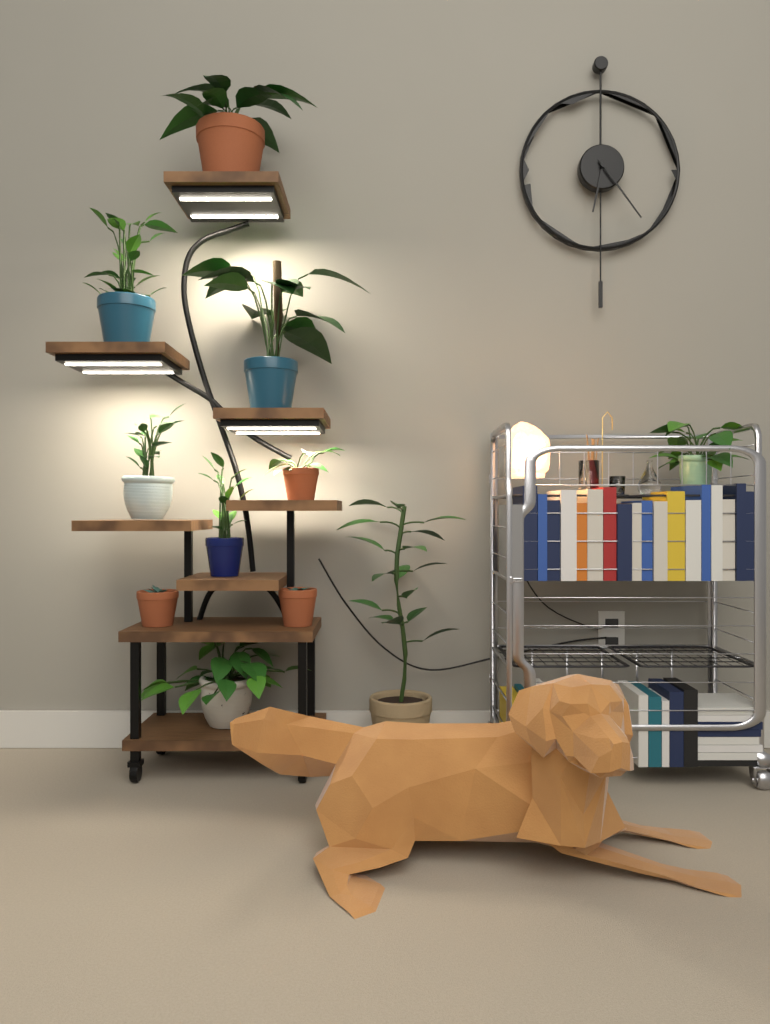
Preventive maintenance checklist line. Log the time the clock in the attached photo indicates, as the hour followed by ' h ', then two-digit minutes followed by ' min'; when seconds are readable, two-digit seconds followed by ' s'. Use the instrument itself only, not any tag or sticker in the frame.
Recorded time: 6 h 24 min
